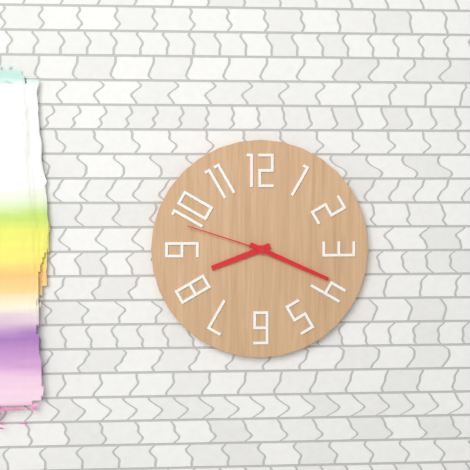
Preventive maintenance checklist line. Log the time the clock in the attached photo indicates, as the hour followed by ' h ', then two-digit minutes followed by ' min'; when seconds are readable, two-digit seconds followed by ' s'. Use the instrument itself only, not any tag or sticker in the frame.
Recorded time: 8 h 19 min 48 s
